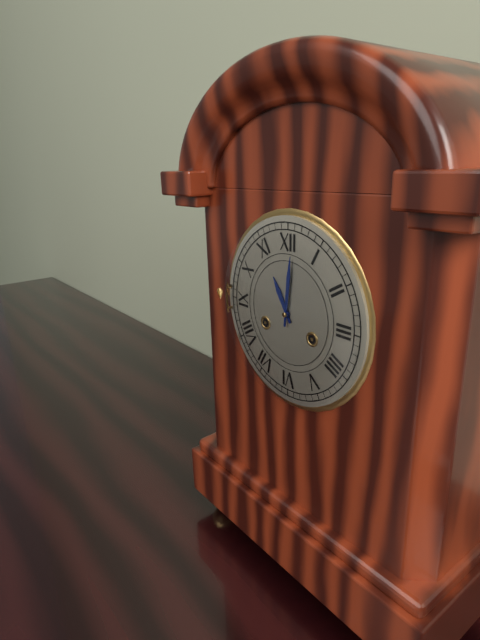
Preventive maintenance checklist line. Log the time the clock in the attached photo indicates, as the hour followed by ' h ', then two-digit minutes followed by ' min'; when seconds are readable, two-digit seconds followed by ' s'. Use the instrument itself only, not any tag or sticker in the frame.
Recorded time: 11 h 01 min
